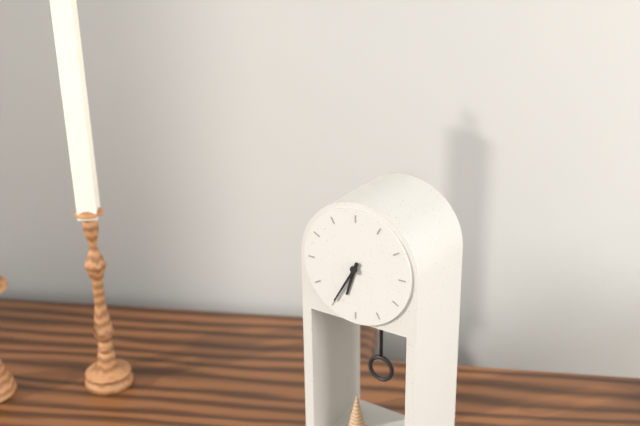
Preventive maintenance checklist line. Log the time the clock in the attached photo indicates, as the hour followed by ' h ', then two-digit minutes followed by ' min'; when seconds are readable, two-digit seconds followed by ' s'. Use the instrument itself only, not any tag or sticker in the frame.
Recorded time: 6 h 35 min
